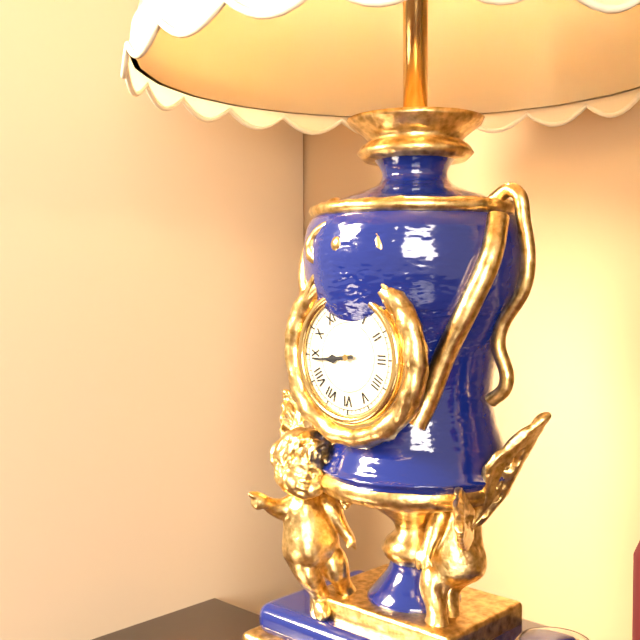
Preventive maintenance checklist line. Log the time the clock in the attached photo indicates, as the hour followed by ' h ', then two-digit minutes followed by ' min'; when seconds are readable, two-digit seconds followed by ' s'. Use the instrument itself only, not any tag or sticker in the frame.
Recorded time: 8 h 44 min
